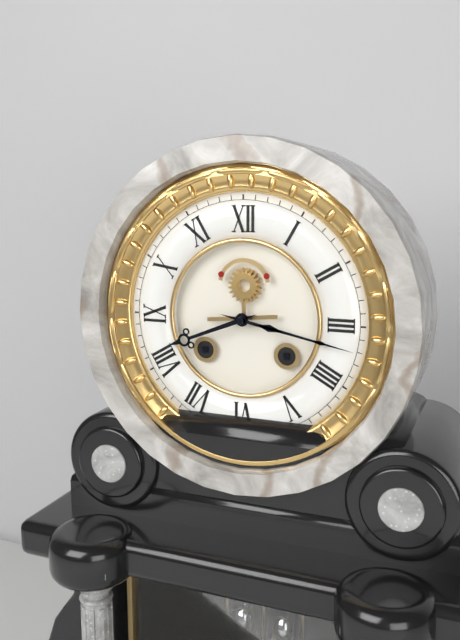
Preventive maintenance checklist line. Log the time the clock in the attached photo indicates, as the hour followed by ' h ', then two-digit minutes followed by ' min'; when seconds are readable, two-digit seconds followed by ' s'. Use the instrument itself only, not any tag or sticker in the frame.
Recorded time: 8 h 17 min
